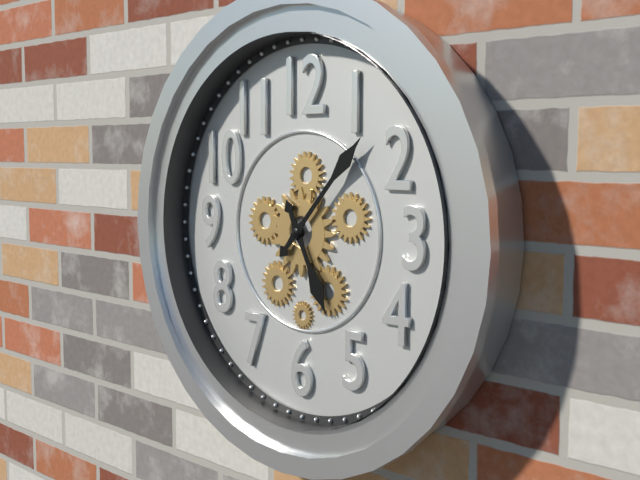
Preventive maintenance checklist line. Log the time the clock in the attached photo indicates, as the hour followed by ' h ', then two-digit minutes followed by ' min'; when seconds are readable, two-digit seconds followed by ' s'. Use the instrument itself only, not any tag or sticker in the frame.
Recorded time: 5 h 07 min
